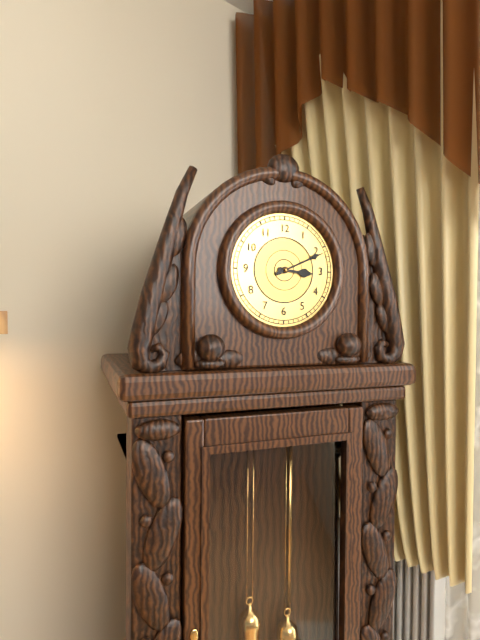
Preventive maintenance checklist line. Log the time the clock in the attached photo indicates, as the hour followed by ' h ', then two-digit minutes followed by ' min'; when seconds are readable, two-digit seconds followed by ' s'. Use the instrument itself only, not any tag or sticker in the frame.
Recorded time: 3 h 11 min
